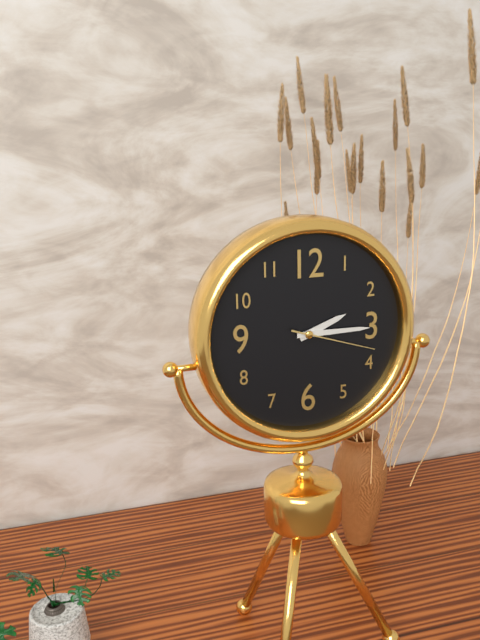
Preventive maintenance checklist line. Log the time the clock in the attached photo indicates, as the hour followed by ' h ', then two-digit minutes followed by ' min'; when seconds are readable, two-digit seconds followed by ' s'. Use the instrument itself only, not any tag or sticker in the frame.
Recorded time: 2 h 15 min 18 s
